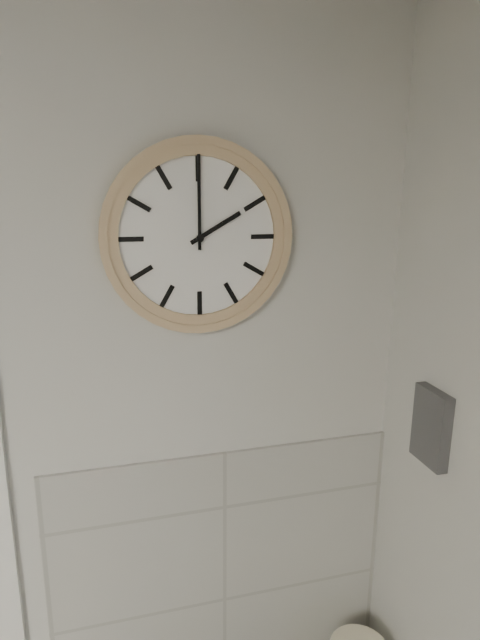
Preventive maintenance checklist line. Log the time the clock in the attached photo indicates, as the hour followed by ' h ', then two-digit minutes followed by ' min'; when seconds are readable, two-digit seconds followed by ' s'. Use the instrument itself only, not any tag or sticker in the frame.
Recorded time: 2 h 00 min
